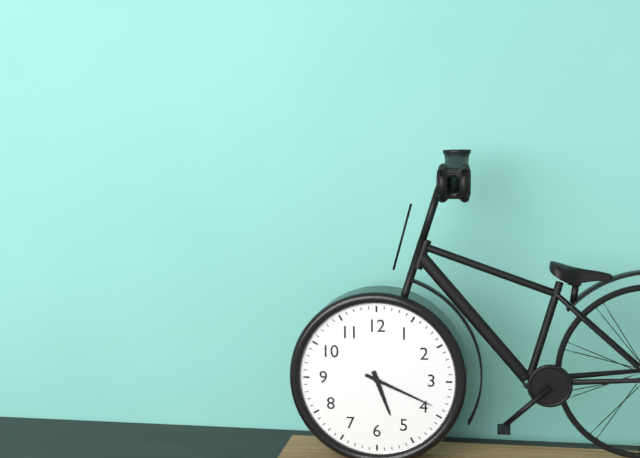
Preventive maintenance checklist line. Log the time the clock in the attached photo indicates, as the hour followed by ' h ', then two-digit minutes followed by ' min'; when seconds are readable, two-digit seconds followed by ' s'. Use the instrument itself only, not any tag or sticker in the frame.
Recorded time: 5 h 19 min
